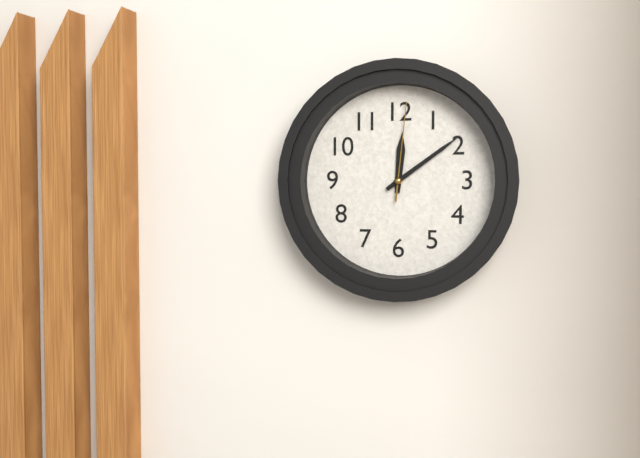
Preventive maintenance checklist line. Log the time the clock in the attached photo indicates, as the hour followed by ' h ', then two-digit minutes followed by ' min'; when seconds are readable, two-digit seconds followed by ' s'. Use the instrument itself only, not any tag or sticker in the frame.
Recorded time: 12 h 09 min 01 s
